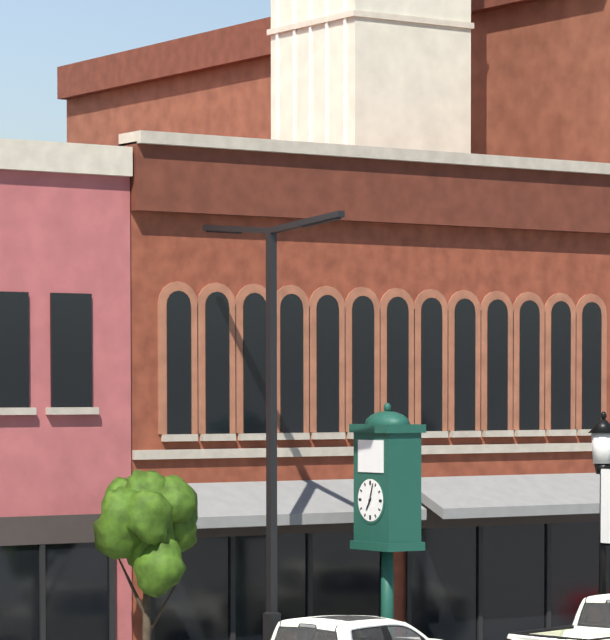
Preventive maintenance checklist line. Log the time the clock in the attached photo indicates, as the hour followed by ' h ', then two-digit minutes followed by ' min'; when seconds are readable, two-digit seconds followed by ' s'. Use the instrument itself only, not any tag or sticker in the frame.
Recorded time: 7 h 03 min
